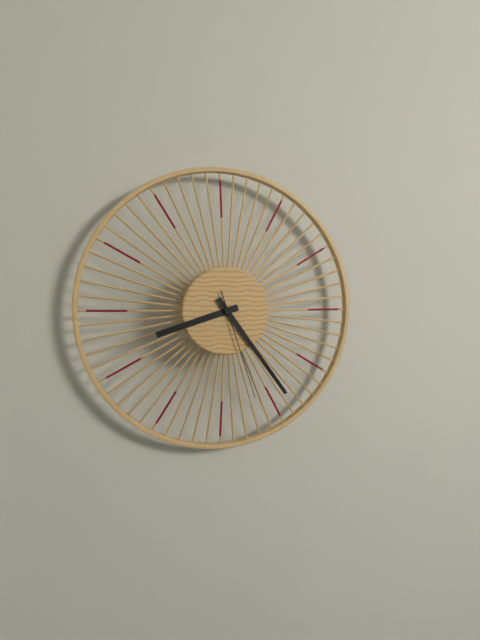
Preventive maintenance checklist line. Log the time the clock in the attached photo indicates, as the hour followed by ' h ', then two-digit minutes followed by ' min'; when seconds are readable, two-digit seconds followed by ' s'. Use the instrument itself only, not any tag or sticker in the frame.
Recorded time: 8 h 24 min 27 s
